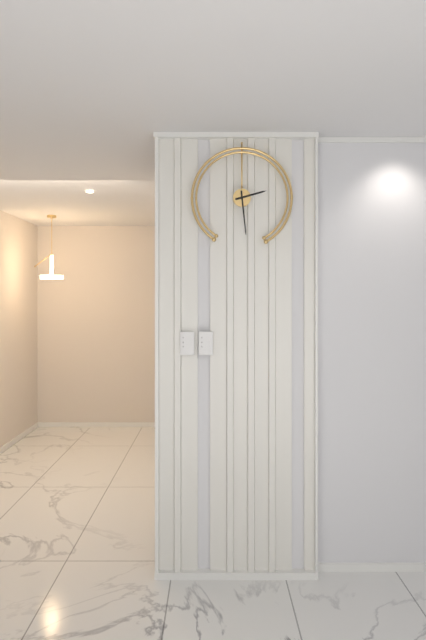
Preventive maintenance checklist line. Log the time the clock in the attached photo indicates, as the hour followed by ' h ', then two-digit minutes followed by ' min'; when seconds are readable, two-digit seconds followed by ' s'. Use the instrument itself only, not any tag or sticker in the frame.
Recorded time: 2 h 29 min
